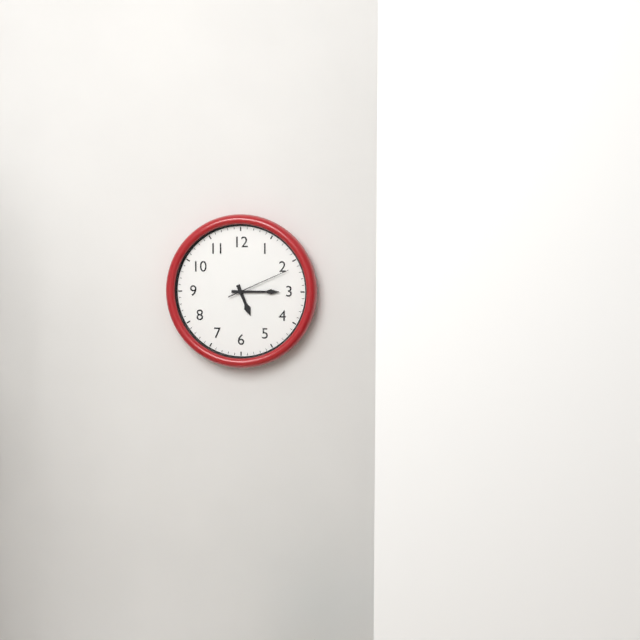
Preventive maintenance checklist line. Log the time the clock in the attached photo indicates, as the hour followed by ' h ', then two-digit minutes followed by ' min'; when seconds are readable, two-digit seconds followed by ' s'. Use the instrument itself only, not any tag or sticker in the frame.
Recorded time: 5 h 15 min 11 s
